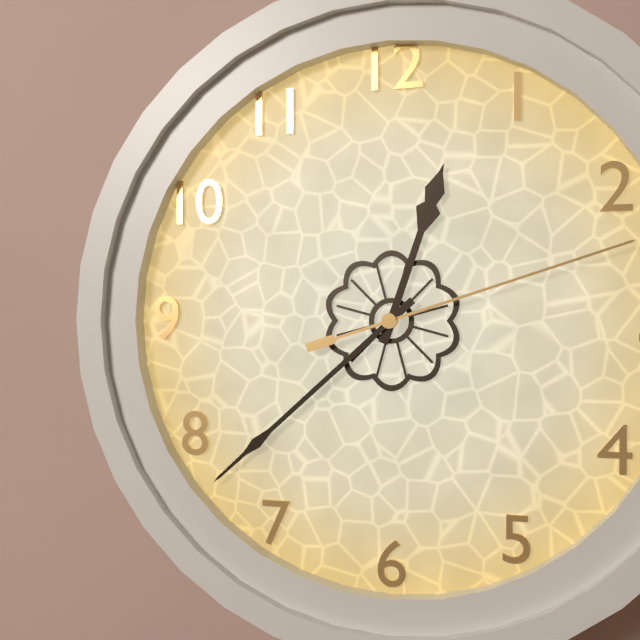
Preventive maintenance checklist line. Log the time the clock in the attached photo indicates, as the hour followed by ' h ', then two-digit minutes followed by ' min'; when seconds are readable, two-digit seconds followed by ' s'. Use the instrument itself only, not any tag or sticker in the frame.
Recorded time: 12 h 38 min 12 s
